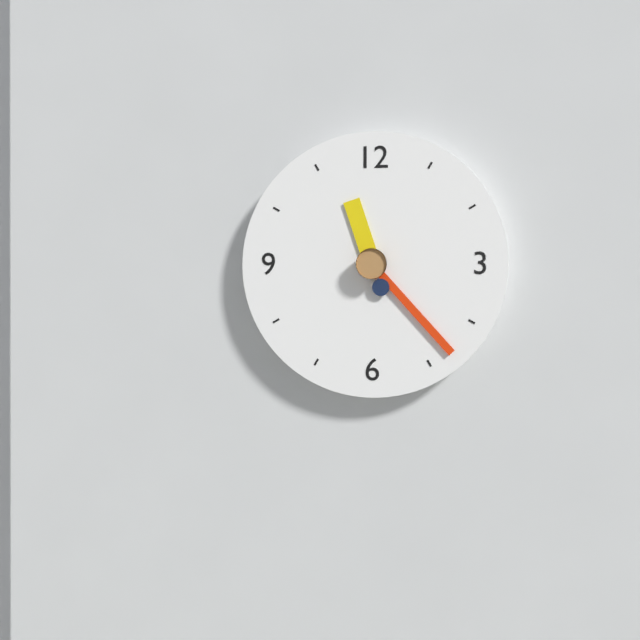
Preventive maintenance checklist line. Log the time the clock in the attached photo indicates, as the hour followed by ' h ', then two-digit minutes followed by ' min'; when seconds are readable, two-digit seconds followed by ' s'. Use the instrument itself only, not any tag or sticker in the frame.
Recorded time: 11 h 23 min
